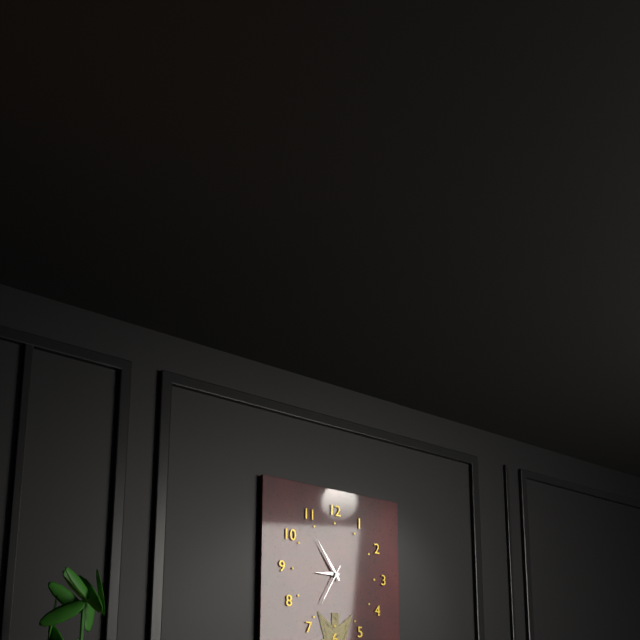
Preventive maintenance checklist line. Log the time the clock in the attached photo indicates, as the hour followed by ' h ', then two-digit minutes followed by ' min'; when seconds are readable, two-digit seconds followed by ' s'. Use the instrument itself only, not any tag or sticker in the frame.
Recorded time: 8 h 54 min
